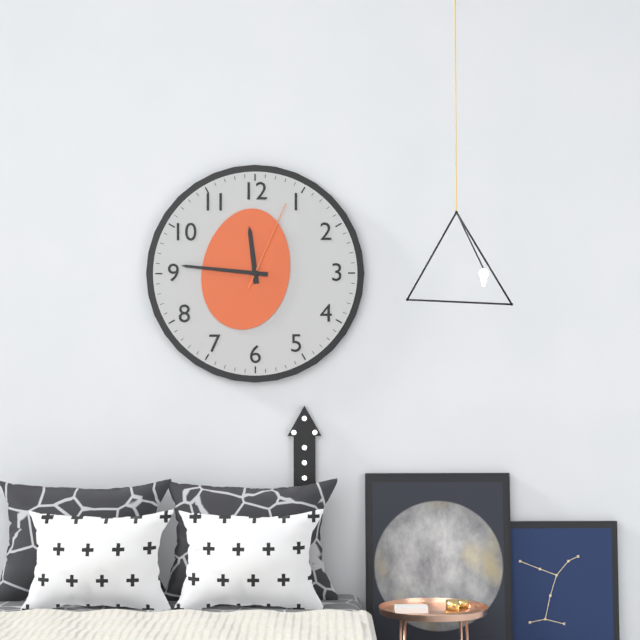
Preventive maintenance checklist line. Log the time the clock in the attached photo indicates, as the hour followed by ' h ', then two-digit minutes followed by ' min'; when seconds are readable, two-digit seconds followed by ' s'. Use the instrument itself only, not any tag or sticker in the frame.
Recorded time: 11 h 46 min 04 s
